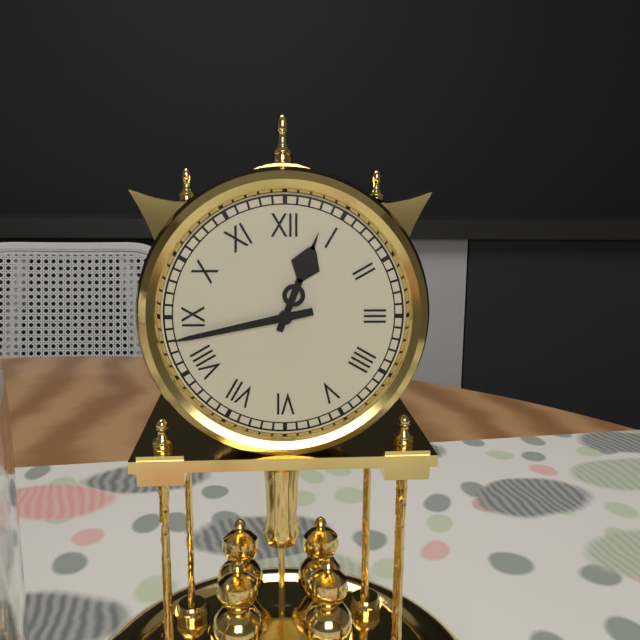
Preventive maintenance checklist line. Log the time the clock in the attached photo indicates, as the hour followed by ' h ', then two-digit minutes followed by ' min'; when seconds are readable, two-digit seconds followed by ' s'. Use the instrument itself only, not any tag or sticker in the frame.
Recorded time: 12 h 43 min
